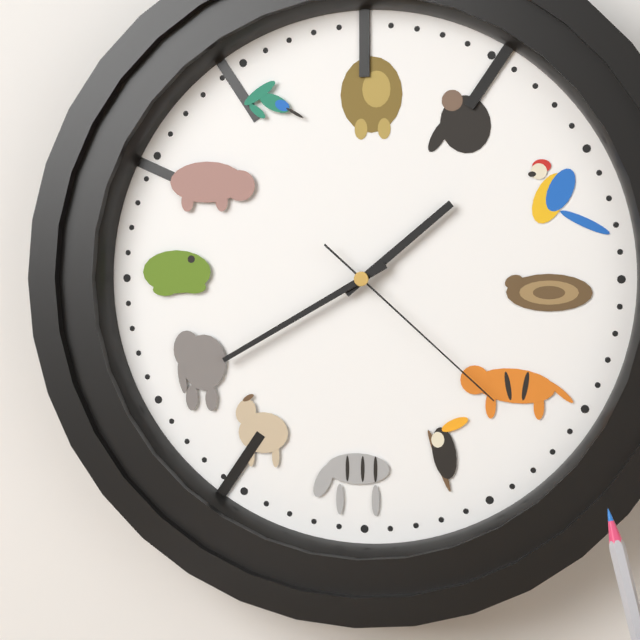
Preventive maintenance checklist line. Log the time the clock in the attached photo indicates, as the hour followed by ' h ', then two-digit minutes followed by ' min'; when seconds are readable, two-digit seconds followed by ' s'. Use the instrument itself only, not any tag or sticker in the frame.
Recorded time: 1 h 40 min 22 s
